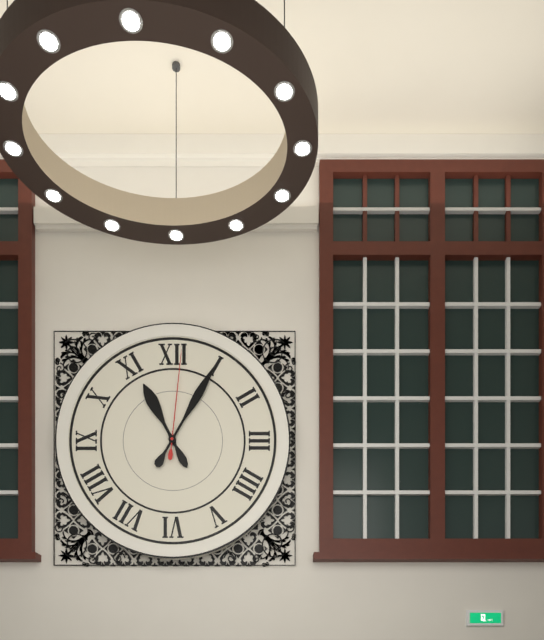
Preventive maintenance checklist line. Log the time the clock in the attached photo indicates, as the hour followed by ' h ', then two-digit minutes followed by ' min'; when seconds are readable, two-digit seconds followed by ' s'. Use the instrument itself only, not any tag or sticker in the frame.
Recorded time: 11 h 05 min 01 s
